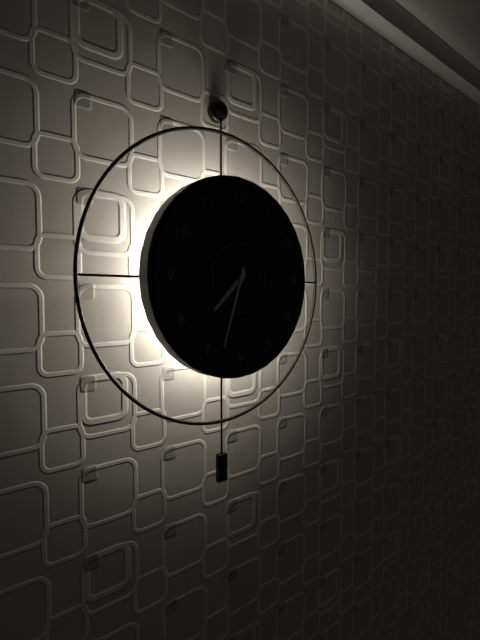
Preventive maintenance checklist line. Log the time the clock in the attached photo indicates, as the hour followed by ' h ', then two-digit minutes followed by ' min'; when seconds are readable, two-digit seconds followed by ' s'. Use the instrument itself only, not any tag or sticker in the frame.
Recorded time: 7 h 33 min
